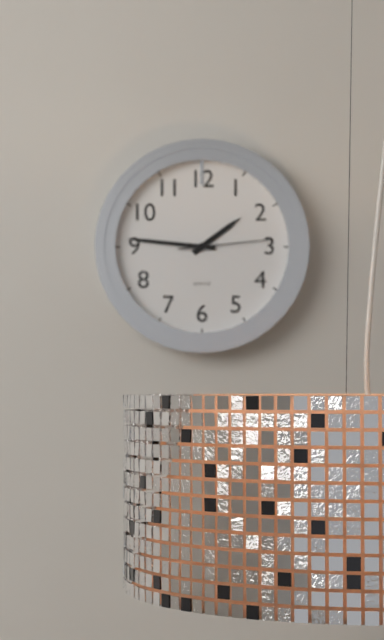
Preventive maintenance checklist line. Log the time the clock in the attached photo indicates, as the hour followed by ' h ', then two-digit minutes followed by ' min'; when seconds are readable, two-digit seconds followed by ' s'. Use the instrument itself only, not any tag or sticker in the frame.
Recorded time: 1 h 46 min 14 s
